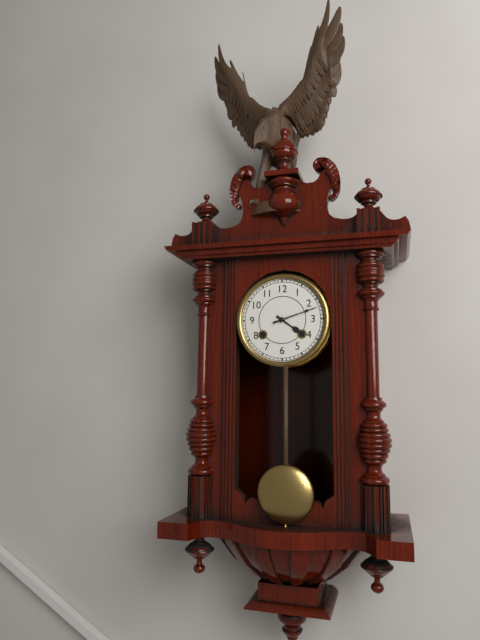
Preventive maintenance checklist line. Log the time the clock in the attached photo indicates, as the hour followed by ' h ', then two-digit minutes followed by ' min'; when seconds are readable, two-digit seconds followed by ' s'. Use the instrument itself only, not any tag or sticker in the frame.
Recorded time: 4 h 12 min
